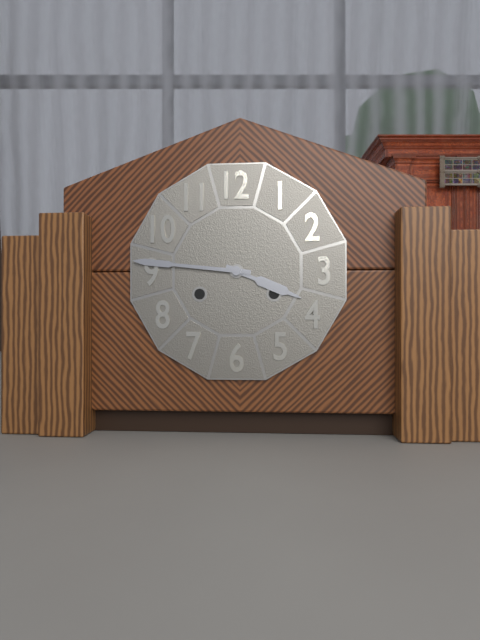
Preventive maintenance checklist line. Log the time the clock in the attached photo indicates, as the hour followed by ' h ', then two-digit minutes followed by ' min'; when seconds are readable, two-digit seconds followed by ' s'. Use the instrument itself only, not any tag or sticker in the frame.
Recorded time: 3 h 46 min
